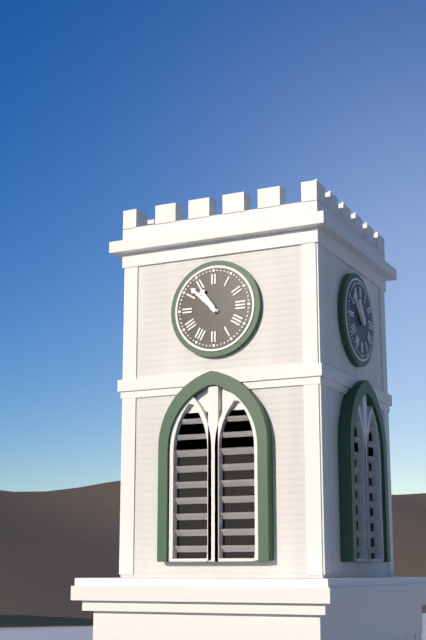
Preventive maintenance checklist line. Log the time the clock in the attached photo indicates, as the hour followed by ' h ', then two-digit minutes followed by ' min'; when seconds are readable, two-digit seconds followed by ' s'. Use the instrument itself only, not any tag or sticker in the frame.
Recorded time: 10 h 52 min
